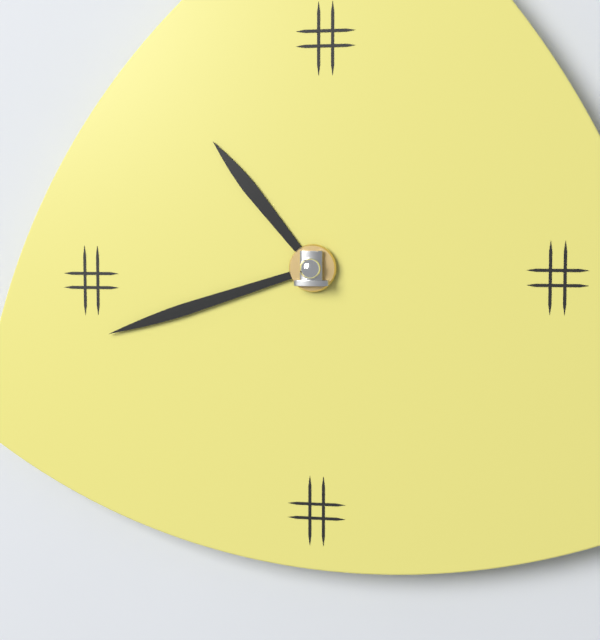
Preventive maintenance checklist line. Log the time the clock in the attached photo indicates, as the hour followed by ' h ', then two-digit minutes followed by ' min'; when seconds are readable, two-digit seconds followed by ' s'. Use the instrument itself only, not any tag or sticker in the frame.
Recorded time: 10 h 42 min
